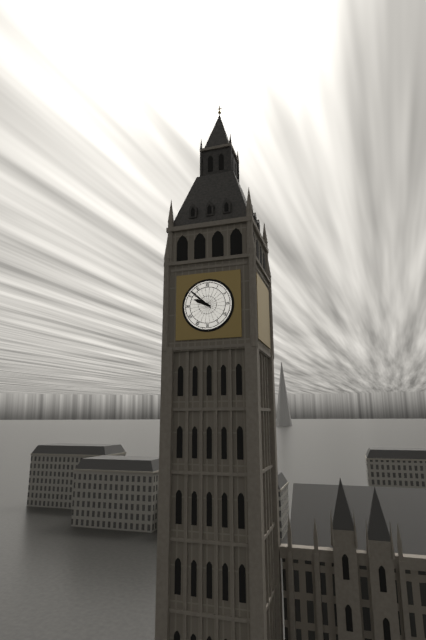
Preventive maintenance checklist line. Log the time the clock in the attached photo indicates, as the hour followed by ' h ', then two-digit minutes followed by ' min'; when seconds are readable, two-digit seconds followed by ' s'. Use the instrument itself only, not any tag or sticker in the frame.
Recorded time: 9 h 52 min
